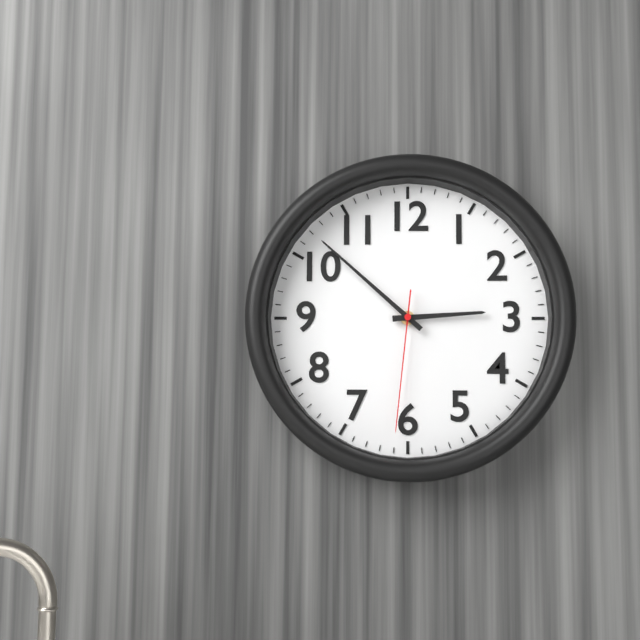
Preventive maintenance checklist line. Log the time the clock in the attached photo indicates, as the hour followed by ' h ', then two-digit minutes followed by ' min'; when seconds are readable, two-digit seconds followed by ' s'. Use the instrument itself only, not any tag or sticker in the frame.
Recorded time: 2 h 52 min 31 s
